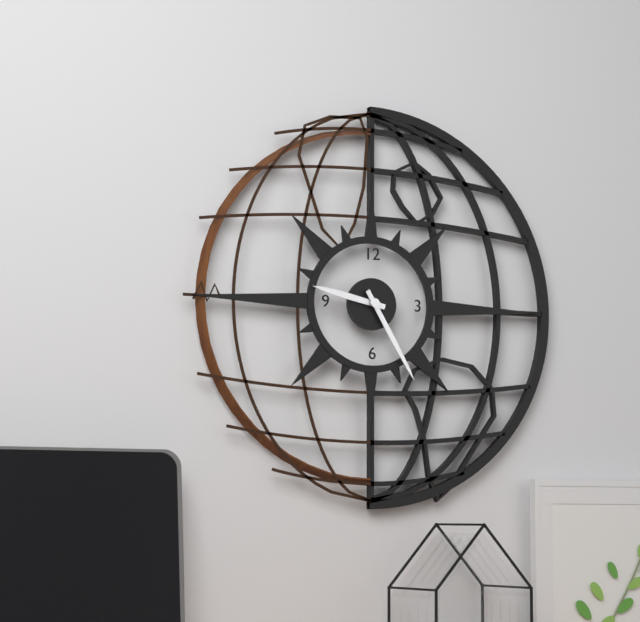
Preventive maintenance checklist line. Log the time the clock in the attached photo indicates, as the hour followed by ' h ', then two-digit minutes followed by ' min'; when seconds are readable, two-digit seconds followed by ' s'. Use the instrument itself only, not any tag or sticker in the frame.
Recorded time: 9 h 25 min
